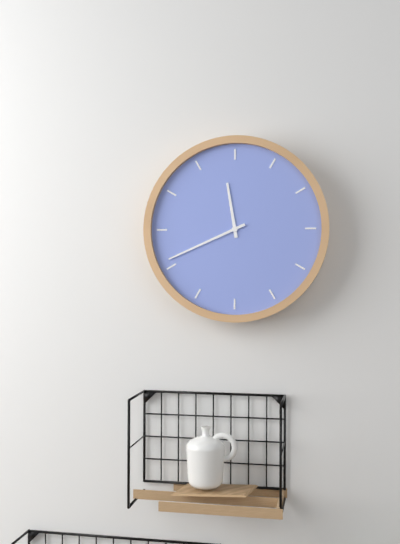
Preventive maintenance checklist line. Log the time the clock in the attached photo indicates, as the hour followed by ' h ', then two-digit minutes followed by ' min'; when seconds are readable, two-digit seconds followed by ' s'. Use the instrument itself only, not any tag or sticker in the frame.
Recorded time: 11 h 41 min
